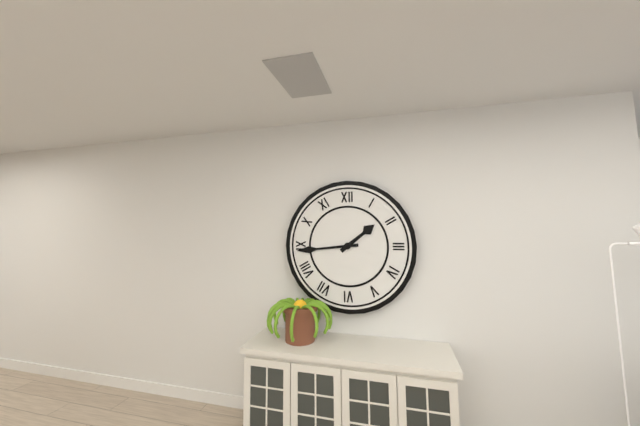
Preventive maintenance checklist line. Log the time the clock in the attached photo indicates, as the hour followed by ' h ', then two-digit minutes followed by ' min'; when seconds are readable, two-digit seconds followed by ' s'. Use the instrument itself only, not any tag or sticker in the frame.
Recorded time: 1 h 44 min
